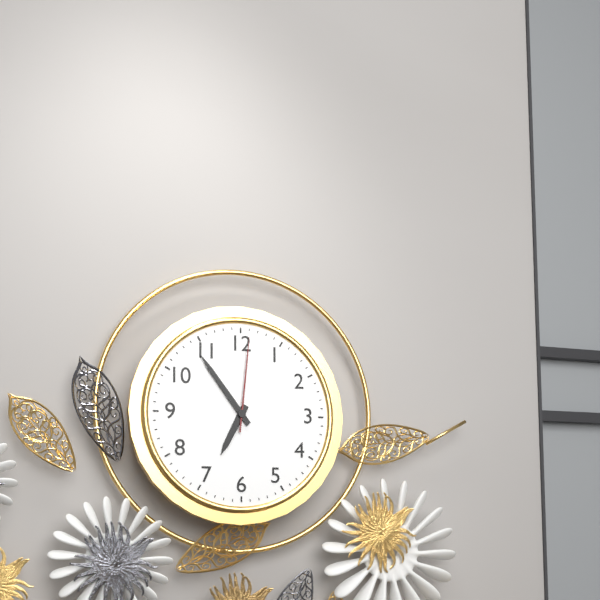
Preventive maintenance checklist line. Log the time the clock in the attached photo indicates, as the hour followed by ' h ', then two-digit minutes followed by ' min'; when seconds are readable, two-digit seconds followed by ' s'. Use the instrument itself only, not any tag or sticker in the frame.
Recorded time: 6 h 54 min 01 s
